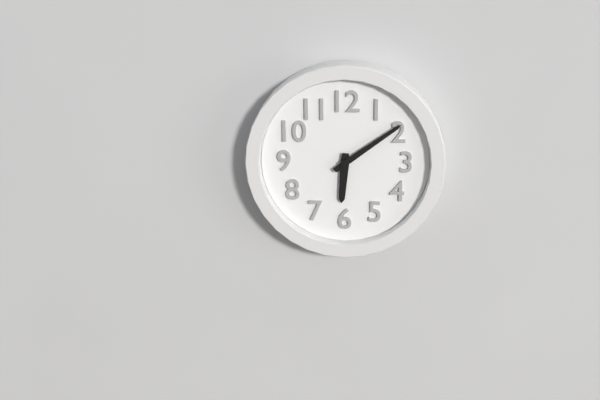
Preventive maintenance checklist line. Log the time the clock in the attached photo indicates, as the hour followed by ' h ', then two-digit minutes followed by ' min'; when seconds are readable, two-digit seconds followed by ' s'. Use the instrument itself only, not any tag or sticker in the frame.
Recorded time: 6 h 09 min
